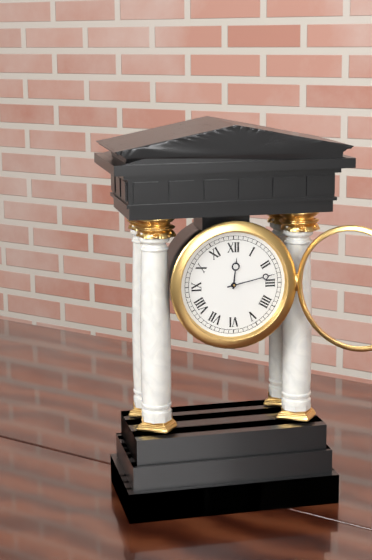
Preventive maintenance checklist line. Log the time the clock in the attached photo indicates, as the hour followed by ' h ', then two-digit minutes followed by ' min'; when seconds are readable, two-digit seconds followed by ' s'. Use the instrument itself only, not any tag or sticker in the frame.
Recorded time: 12 h 13 min
